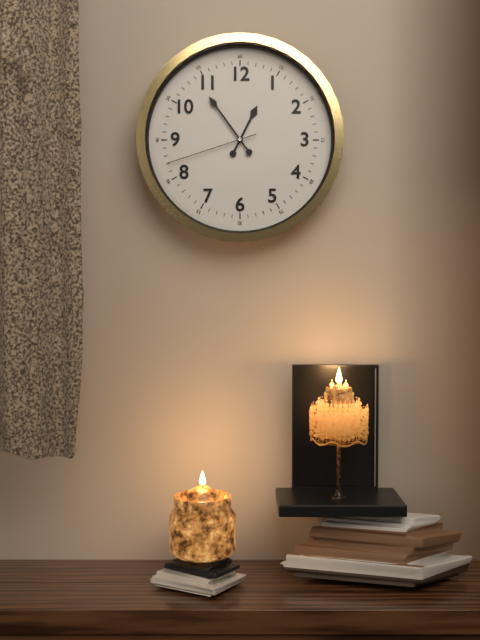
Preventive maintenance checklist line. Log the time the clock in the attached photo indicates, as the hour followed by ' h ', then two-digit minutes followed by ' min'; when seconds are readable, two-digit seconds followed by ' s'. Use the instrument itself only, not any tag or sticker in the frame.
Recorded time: 12 h 54 min 42 s
